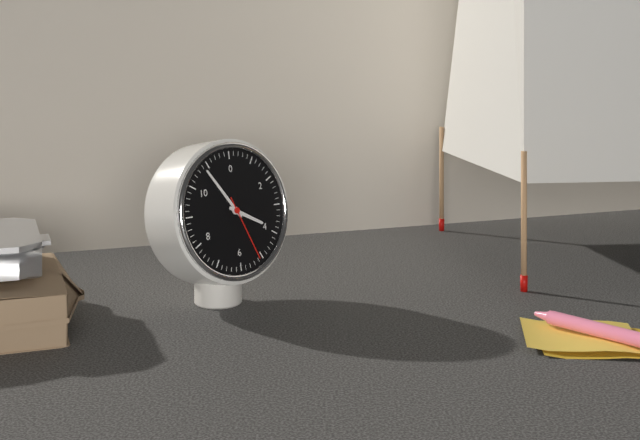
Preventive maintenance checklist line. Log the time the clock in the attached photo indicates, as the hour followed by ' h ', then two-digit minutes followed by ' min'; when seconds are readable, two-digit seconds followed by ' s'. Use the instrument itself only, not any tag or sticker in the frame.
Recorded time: 3 h 54 min 26 s
